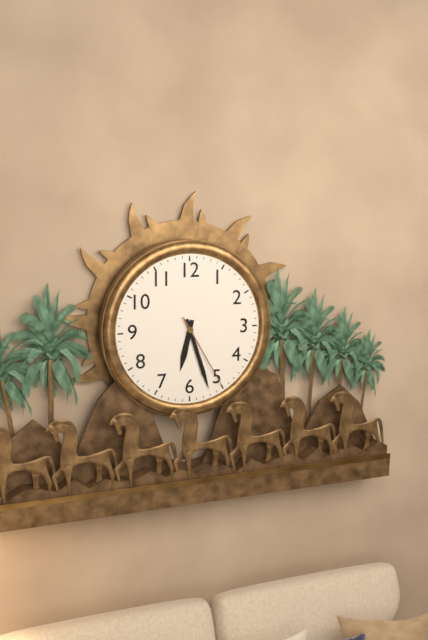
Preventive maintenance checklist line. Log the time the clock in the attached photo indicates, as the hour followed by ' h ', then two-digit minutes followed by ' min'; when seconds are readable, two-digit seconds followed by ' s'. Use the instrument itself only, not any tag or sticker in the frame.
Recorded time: 6 h 27 min 25 s
